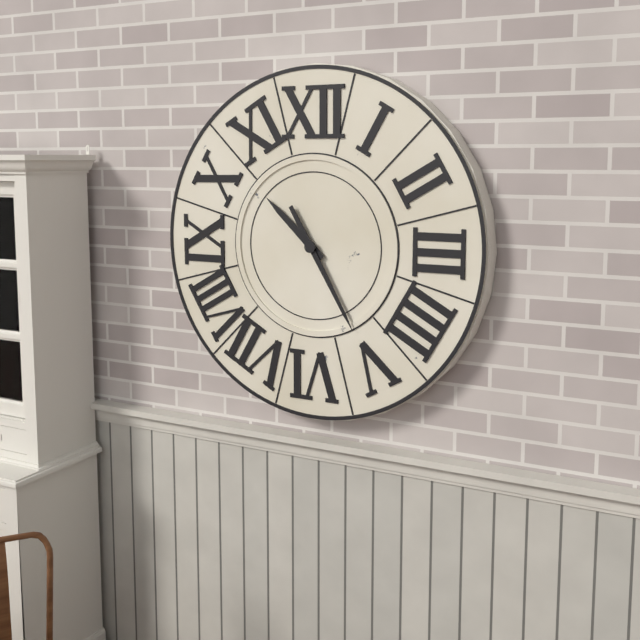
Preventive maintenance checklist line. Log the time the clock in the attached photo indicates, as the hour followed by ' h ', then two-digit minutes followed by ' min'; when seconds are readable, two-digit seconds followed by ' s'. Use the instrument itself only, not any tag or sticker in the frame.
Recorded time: 10 h 25 min
